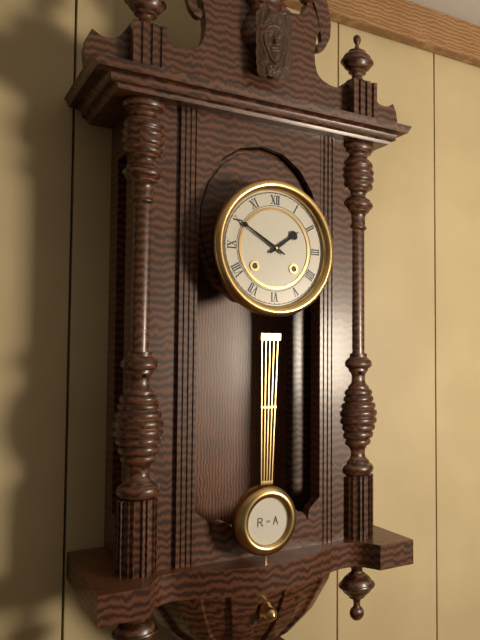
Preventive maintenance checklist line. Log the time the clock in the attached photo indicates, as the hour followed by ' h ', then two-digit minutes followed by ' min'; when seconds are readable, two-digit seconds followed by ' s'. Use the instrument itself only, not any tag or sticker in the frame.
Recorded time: 1 h 50 min
